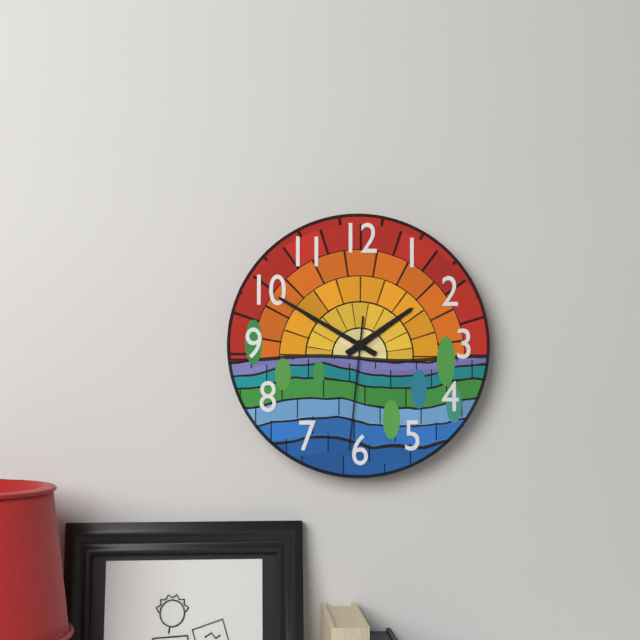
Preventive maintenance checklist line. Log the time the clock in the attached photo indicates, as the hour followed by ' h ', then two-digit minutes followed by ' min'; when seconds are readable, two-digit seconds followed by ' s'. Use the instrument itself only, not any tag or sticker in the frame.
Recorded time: 1 h 50 min 31 s
